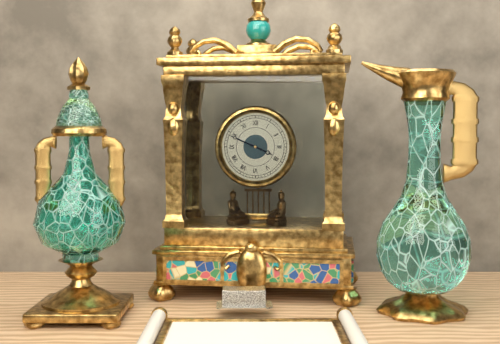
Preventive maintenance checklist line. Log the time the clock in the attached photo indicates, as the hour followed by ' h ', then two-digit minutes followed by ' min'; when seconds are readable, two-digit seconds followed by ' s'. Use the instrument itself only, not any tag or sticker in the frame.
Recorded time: 3 h 49 min
